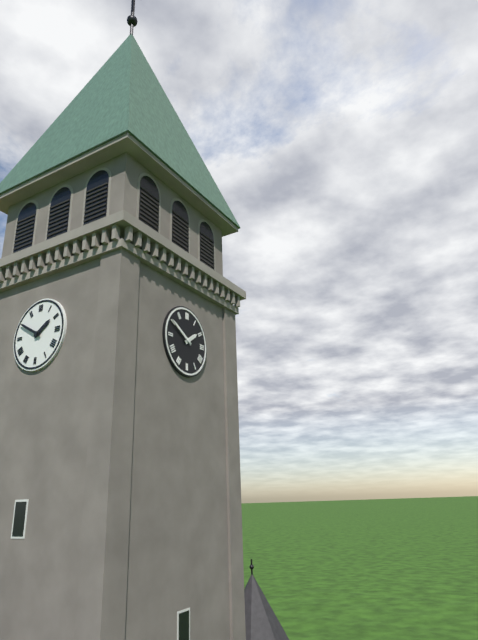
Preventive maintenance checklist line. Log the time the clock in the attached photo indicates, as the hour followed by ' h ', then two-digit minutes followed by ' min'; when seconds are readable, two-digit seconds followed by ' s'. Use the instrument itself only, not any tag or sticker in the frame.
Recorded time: 1 h 50 min
